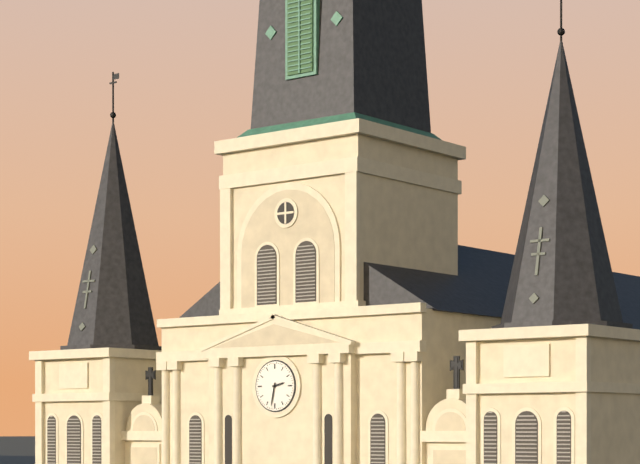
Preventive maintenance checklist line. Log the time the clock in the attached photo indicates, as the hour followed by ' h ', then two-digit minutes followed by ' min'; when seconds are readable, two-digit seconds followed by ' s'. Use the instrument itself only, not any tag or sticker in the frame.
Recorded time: 2 h 32 min
